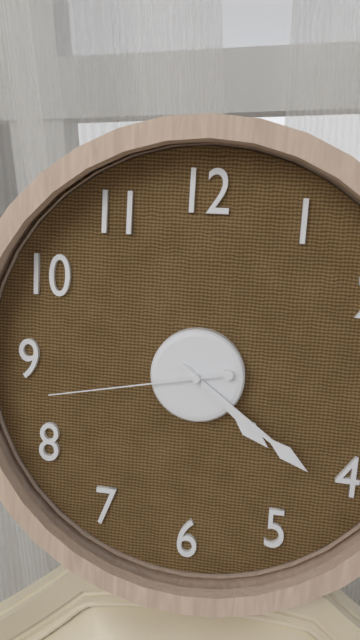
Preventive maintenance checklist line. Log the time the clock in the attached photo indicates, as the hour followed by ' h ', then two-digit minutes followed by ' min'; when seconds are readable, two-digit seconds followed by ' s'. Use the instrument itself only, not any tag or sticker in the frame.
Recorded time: 4 h 21 min 43 s
